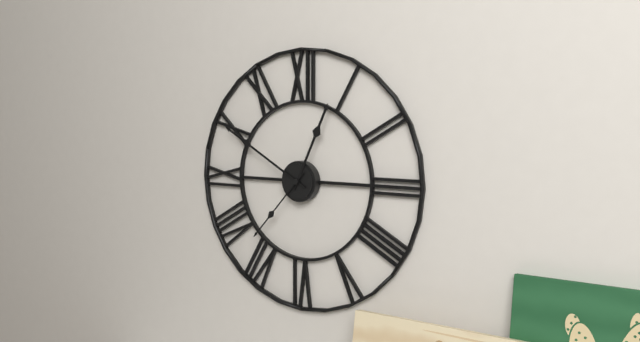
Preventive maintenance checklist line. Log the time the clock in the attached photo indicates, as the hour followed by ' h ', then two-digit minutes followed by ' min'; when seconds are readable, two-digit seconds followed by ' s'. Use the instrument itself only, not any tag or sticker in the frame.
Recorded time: 12 h 50 min 37 s
